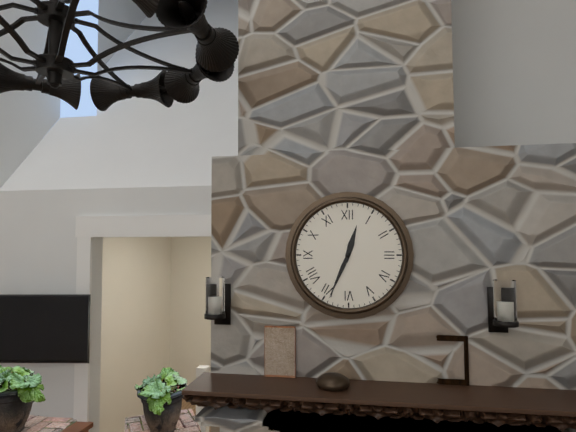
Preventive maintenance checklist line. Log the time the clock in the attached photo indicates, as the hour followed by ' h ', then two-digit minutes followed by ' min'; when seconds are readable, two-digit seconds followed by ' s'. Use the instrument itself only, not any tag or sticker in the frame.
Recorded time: 12 h 34 min
